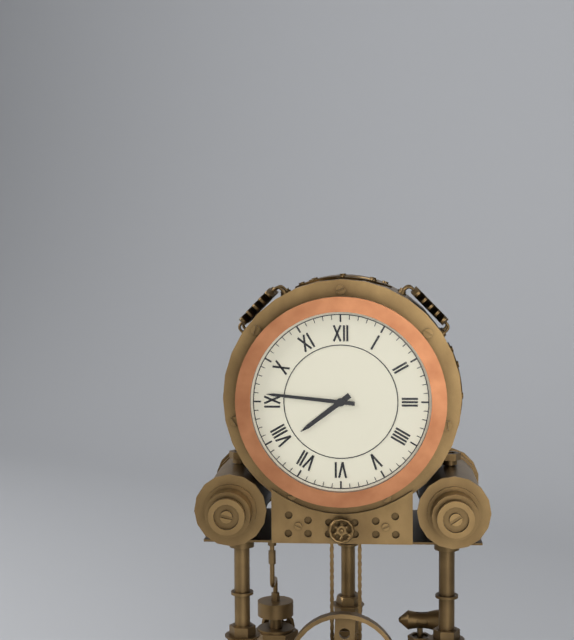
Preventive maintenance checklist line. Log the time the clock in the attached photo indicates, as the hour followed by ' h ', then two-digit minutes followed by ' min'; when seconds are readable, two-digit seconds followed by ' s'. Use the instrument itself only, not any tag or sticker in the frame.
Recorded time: 7 h 46 min
